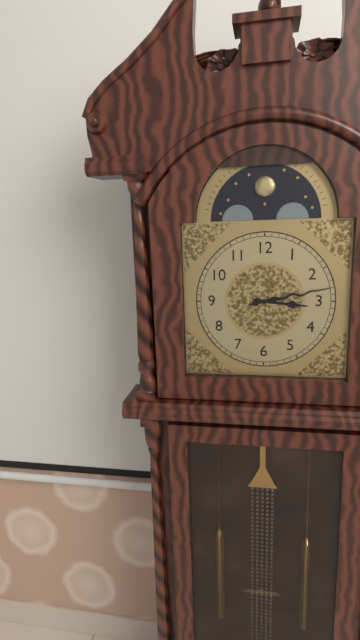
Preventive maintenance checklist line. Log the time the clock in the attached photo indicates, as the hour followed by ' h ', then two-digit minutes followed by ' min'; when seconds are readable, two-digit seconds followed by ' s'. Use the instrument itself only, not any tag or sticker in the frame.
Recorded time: 3 h 13 min
